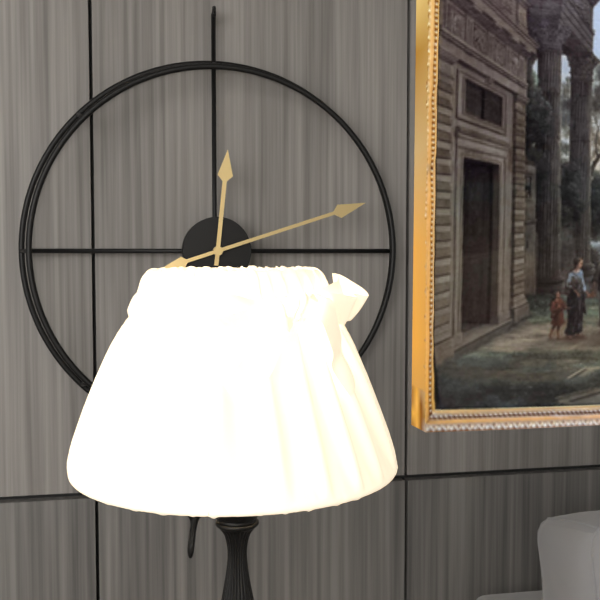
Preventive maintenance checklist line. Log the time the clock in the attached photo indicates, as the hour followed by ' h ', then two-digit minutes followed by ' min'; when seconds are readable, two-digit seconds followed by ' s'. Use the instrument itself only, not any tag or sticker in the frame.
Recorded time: 12 h 12 min
